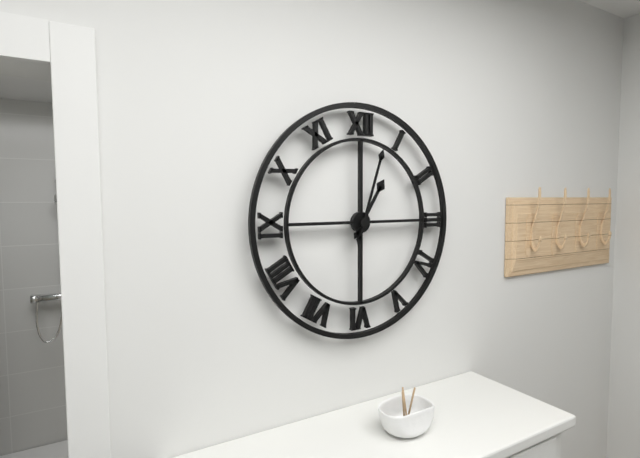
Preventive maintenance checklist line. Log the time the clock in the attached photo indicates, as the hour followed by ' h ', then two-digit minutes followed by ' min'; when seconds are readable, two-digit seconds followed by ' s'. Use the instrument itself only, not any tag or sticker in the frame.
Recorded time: 1 h 03 min
